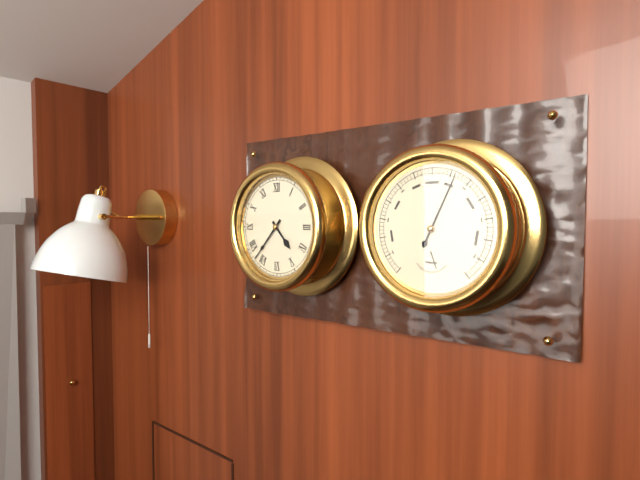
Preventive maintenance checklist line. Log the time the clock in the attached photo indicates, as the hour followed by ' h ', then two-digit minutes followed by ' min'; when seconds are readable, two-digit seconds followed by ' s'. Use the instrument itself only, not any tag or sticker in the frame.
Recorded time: 4 h 37 min
